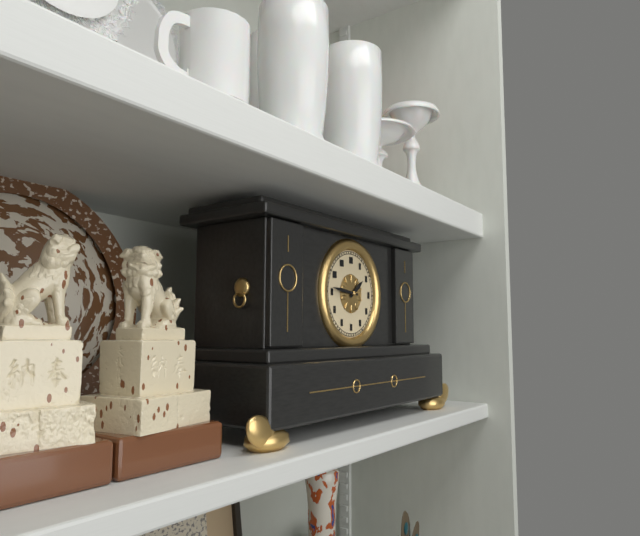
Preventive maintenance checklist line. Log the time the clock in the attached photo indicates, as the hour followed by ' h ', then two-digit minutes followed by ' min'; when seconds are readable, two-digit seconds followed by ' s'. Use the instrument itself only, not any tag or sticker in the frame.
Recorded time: 1 h 46 min
